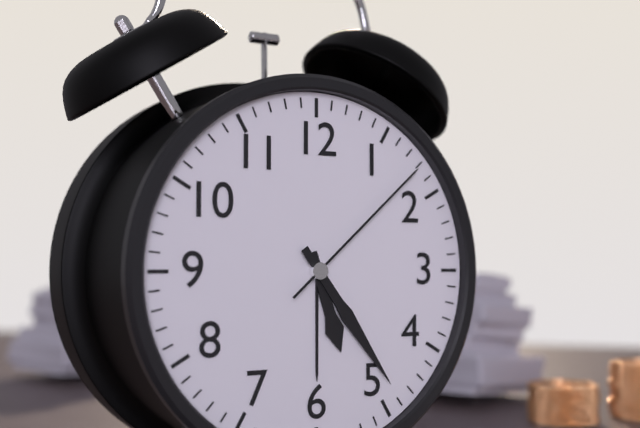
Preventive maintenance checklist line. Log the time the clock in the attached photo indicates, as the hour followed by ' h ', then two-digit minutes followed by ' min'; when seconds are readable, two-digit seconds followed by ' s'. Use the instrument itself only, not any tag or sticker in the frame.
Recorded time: 5 h 24 min 08 s
